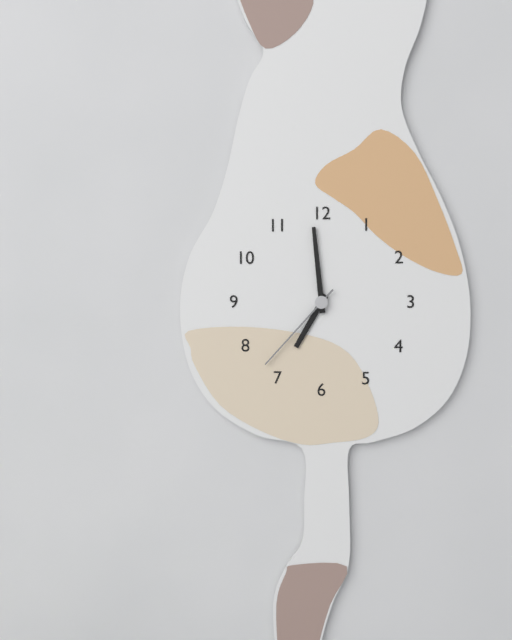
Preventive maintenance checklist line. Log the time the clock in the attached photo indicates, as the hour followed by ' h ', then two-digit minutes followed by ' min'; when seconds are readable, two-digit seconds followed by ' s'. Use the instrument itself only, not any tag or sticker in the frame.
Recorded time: 6 h 59 min 37 s
